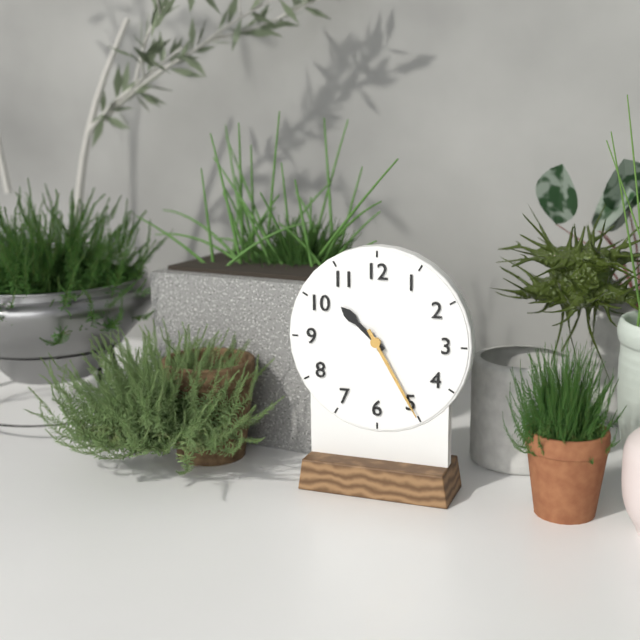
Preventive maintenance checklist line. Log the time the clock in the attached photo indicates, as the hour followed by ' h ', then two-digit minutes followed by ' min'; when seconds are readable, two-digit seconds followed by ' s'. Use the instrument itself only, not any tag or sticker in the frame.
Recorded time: 10 h 25 min
